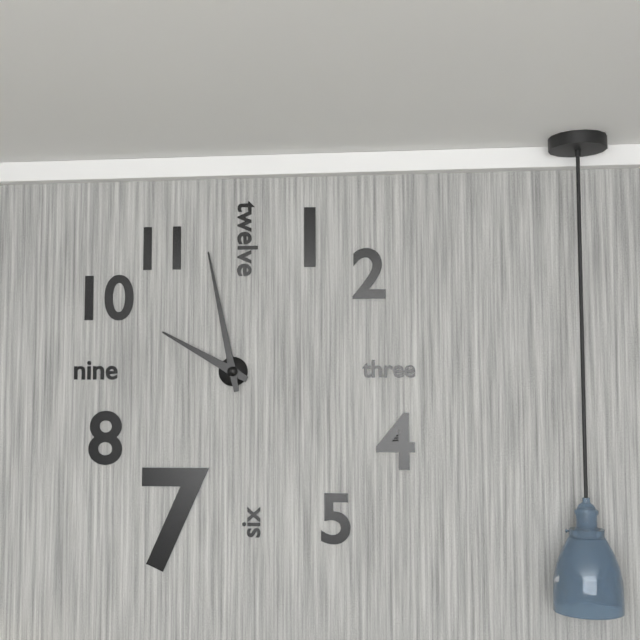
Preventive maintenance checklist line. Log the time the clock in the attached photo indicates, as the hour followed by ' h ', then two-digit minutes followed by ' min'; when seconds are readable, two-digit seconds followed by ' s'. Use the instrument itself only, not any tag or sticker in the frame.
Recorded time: 9 h 58 min
